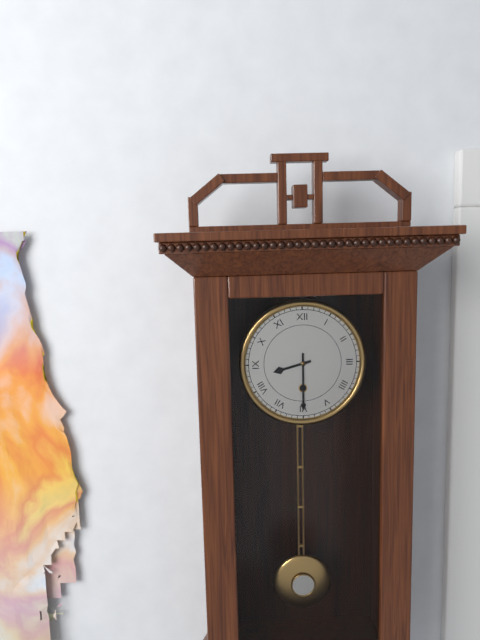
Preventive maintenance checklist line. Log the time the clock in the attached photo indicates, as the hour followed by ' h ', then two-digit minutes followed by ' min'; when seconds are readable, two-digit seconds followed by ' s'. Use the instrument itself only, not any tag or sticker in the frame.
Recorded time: 8 h 30 min
